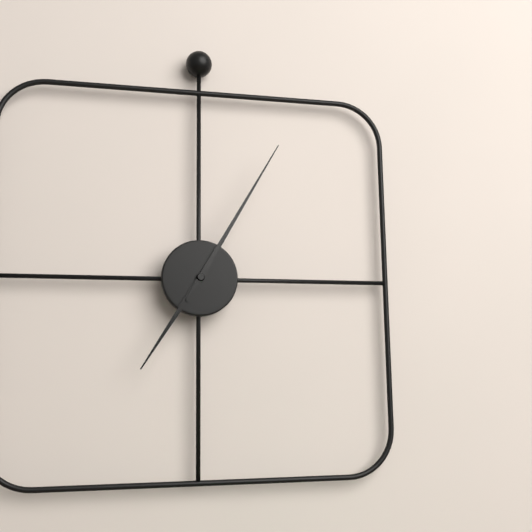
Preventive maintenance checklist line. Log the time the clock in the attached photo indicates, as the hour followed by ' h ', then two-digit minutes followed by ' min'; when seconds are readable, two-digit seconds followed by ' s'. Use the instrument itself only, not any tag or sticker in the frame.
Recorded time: 7 h 05 min
